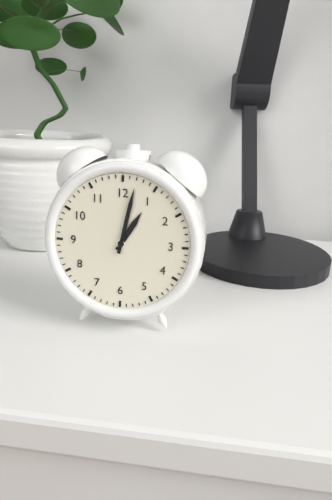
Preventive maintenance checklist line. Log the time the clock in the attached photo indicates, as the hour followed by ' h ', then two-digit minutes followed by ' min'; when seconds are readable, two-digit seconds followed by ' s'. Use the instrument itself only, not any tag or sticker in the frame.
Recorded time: 1 h 02 min
